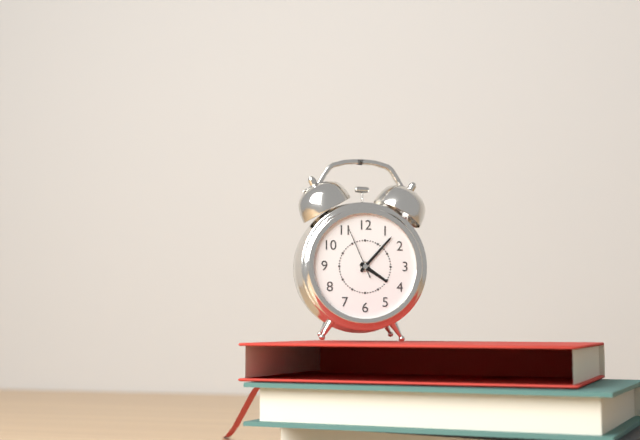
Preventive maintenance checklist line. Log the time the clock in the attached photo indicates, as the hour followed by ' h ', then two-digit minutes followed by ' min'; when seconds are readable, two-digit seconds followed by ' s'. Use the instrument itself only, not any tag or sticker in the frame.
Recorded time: 4 h 07 min 56 s
